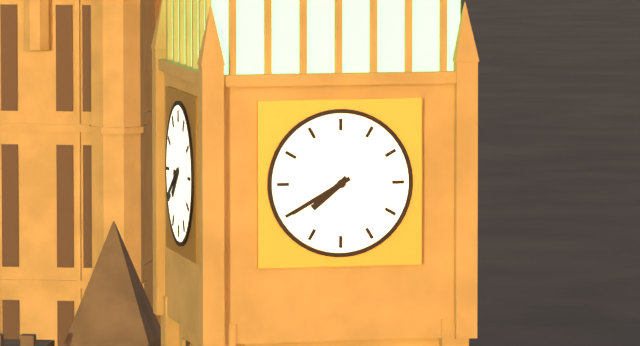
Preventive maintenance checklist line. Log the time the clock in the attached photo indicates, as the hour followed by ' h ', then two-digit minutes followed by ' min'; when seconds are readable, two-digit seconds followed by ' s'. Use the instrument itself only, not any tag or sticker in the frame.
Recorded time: 7 h 40 min
